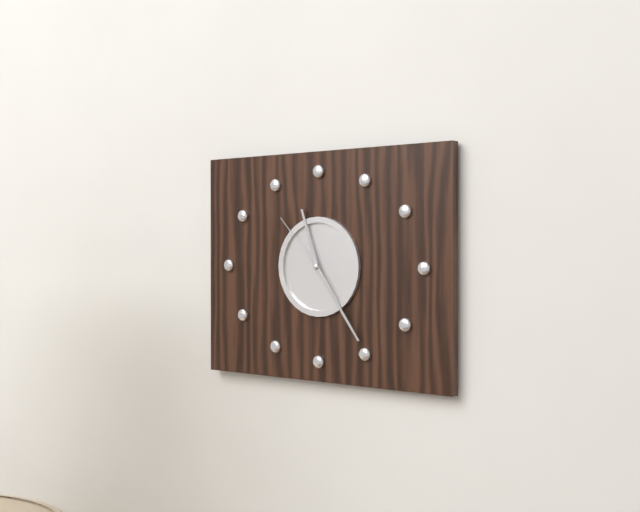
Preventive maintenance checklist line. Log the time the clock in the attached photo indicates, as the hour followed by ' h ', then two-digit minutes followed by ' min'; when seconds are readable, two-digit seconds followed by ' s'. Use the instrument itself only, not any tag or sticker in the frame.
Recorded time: 11 h 24 min 53 s
